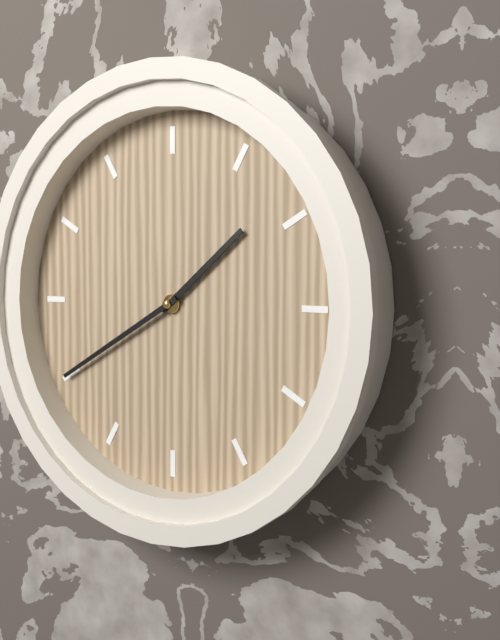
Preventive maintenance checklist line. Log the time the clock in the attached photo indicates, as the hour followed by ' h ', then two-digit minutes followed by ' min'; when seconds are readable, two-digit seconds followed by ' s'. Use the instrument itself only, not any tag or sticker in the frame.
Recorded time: 1 h 40 min
